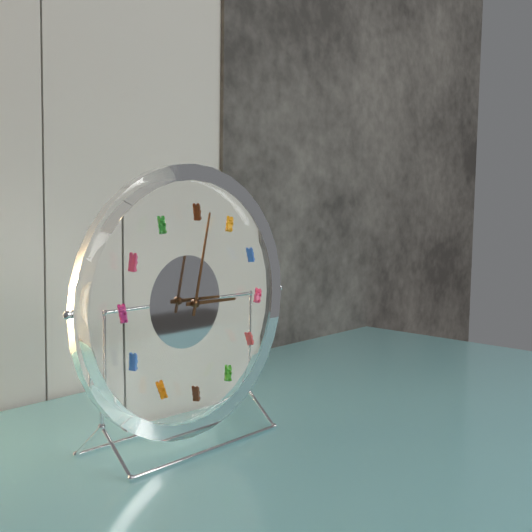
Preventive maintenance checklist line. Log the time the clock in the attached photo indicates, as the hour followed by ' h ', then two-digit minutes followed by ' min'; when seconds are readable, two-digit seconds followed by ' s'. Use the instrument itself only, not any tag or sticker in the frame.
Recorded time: 3 h 02 min
